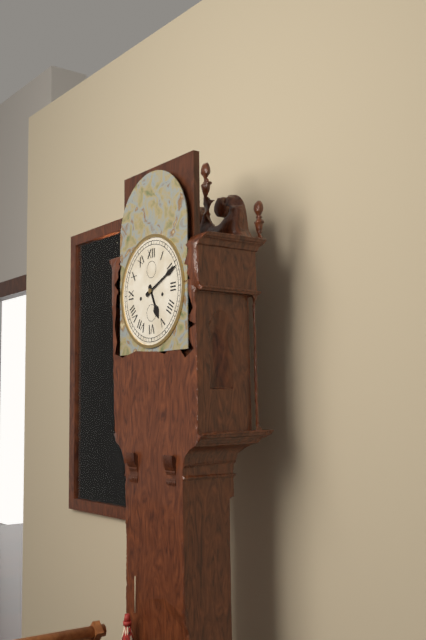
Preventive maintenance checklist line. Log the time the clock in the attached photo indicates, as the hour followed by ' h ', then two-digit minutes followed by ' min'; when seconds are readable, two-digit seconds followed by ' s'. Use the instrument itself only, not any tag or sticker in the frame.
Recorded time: 5 h 11 min
